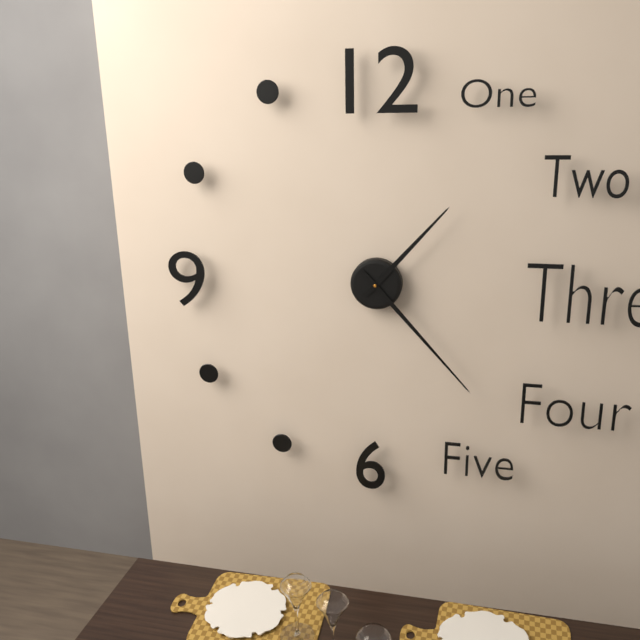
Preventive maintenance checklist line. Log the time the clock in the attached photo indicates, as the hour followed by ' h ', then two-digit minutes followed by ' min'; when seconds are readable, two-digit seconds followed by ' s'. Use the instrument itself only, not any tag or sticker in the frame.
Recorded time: 1 h 23 min
